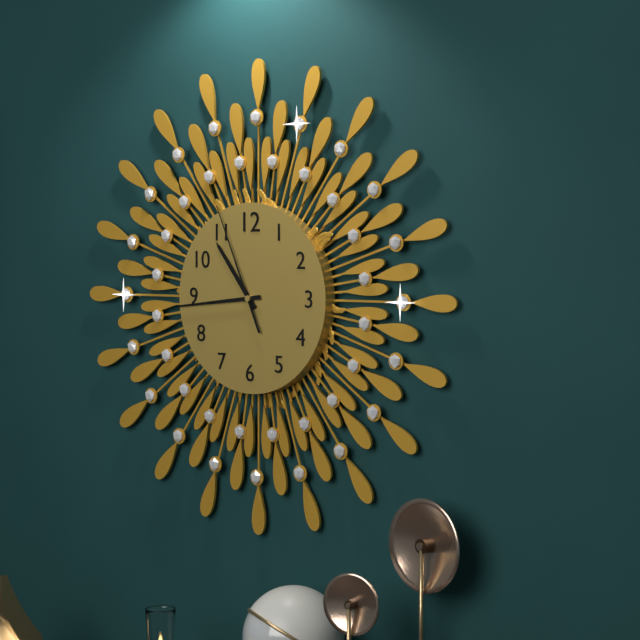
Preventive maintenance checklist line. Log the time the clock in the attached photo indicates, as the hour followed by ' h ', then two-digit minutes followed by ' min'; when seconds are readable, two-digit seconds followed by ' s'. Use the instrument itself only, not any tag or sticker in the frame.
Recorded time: 10 h 44 min 56 s
